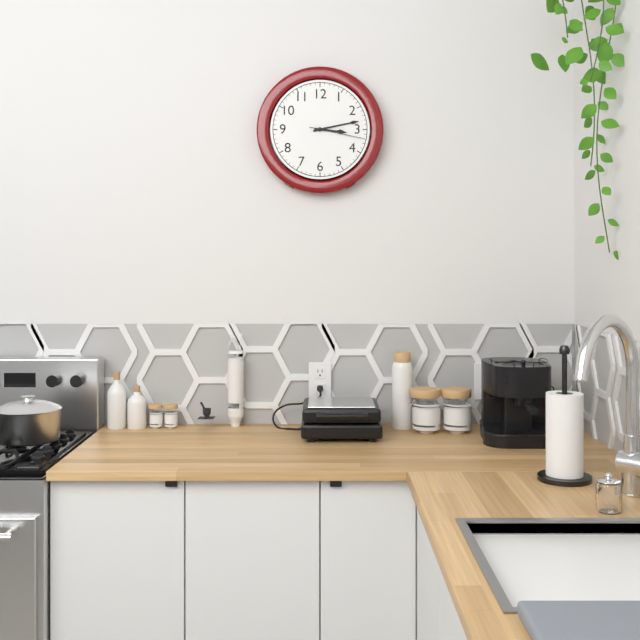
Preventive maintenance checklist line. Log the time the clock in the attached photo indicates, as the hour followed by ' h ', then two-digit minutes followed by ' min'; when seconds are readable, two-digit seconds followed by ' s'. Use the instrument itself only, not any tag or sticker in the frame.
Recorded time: 3 h 13 min 17 s
